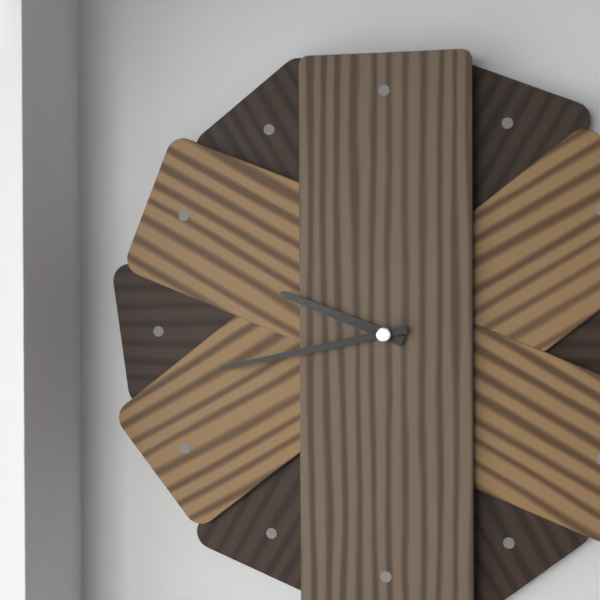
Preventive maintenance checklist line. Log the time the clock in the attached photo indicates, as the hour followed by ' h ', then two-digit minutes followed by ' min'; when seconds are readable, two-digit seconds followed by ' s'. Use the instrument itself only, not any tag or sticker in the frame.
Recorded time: 9 h 43 min
